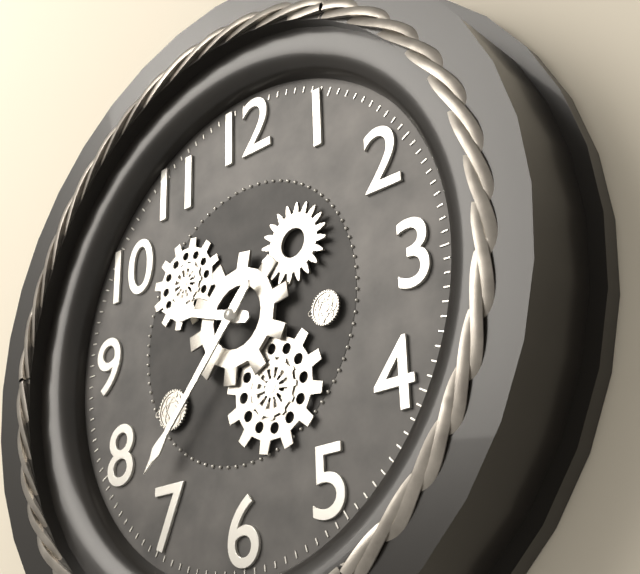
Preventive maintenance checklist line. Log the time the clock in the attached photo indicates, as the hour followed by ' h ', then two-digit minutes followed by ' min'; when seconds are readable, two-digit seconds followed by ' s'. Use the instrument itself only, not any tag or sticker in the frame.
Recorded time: 9 h 37 min
